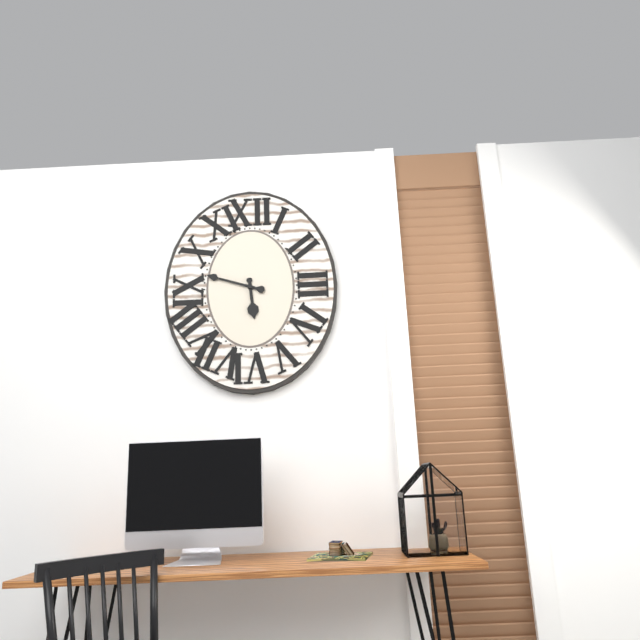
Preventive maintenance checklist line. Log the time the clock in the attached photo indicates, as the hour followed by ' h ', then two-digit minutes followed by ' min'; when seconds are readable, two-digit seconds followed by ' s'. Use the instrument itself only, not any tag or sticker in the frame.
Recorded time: 5 h 48 min
